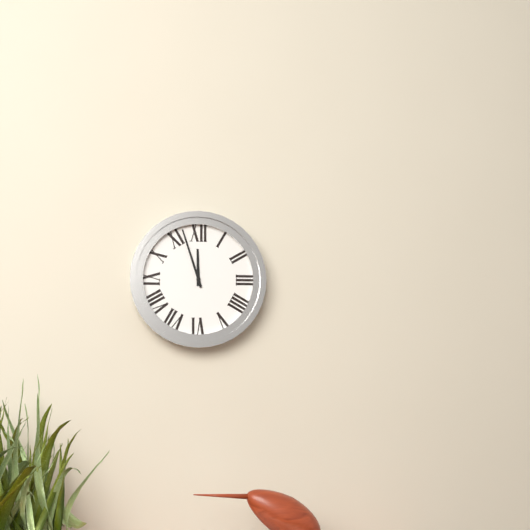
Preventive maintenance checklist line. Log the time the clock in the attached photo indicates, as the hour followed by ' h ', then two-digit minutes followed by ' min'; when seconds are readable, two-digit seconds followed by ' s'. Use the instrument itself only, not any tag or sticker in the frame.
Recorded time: 11 h 57 min
